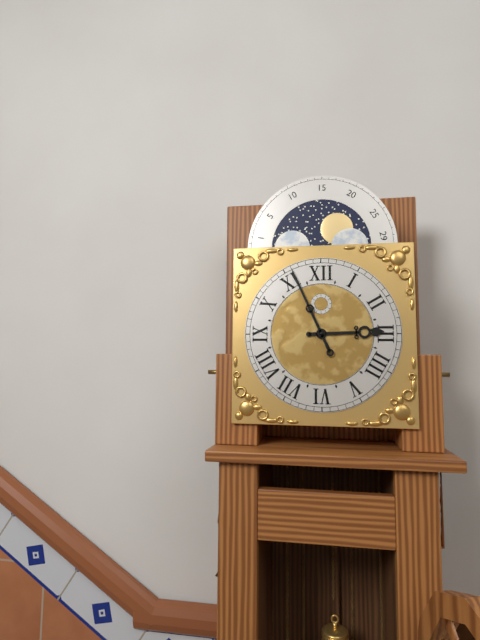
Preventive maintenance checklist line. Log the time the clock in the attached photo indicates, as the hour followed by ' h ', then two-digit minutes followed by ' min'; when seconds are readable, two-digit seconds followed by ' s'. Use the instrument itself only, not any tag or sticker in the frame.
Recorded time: 2 h 56 min
